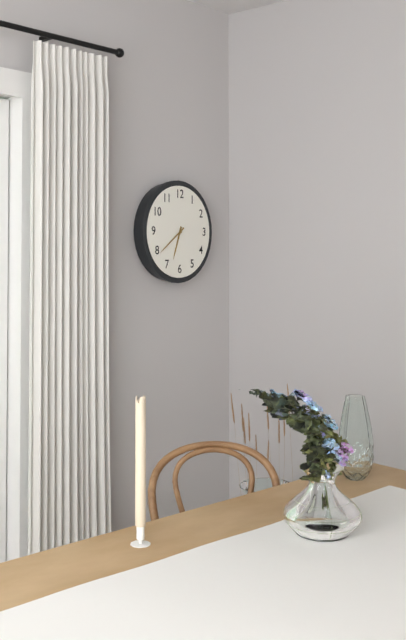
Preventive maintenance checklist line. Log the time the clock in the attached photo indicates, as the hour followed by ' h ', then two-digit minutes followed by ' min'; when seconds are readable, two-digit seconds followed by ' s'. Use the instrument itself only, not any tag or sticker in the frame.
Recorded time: 6 h 39 min
